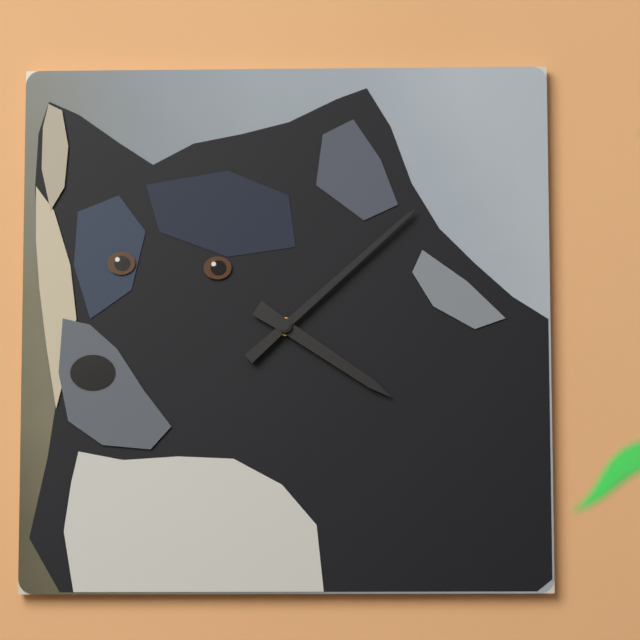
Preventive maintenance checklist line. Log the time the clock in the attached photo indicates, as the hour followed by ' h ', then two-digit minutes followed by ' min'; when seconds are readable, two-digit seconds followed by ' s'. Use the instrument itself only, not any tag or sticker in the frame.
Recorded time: 4 h 08 min
